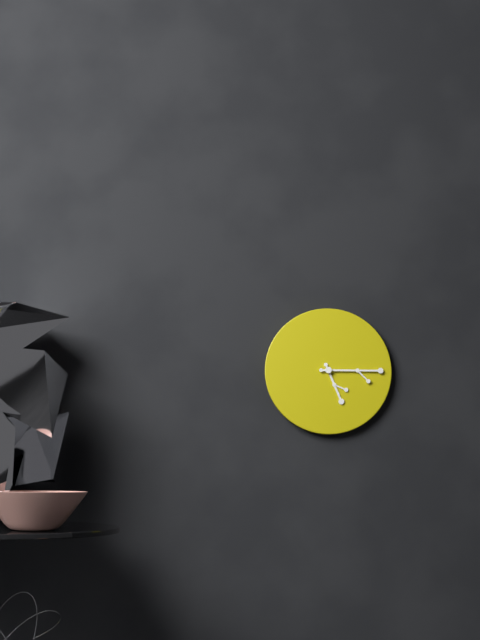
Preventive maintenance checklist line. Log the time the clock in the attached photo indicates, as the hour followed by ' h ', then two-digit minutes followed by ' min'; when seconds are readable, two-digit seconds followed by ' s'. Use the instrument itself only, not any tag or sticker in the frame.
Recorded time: 5 h 15 min
